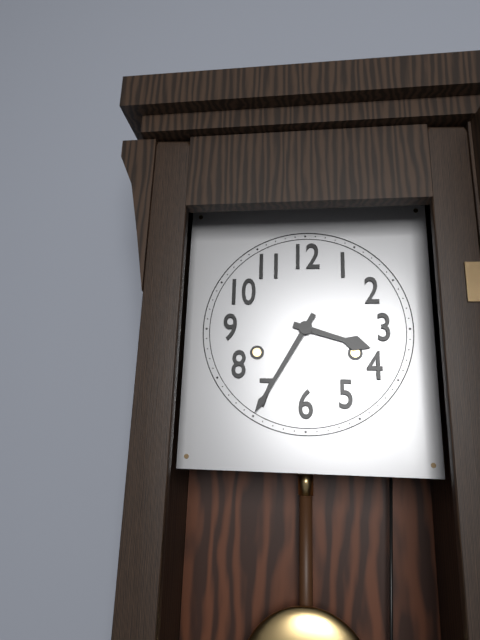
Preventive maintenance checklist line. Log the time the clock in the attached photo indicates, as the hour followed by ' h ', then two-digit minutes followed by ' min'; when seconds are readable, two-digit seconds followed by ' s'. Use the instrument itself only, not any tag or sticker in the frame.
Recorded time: 3 h 35 min
